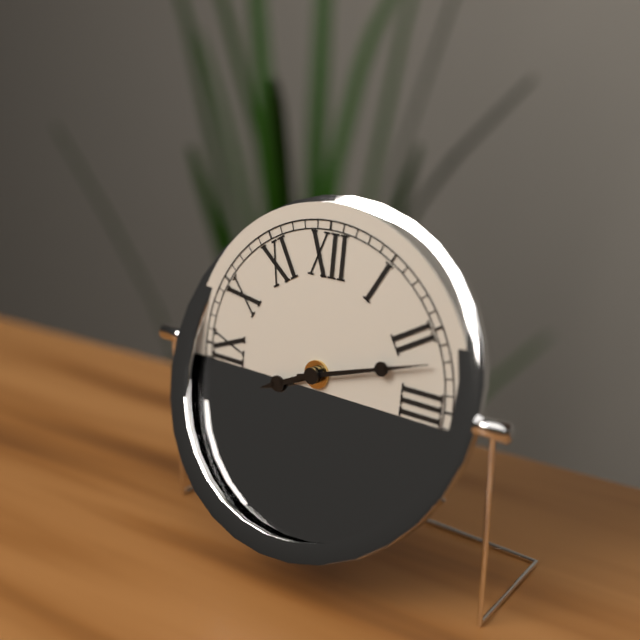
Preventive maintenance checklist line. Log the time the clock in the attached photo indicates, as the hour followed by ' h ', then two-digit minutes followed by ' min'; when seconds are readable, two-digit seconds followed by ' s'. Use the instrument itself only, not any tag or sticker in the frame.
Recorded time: 8 h 12 min
